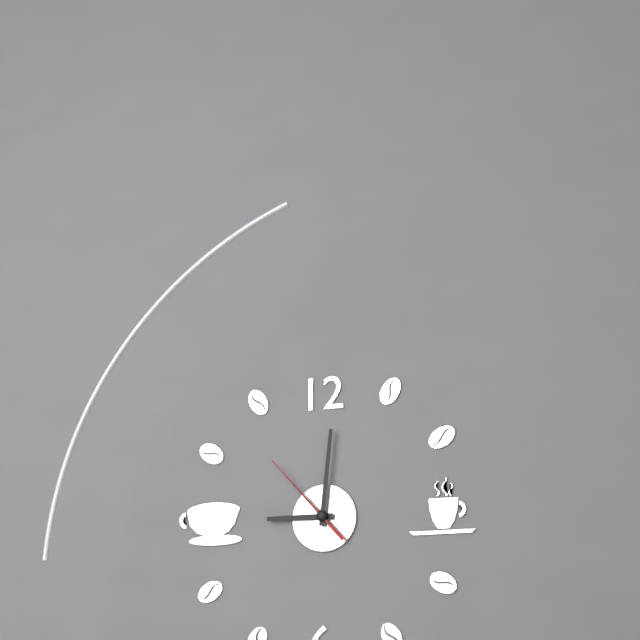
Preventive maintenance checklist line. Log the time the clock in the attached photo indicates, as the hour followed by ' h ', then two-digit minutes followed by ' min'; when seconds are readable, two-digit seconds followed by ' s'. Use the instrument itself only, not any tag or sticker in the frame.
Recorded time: 9 h 01 min 53 s
